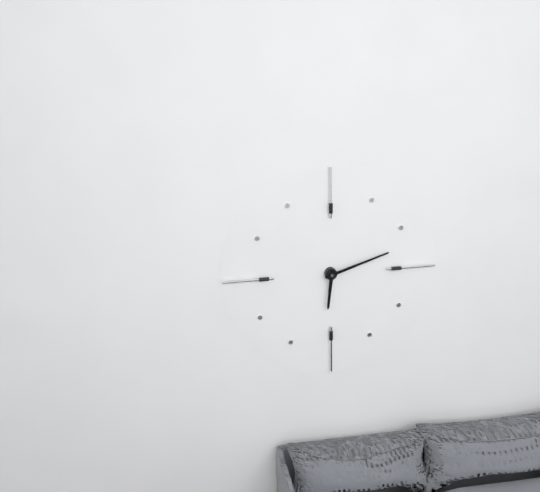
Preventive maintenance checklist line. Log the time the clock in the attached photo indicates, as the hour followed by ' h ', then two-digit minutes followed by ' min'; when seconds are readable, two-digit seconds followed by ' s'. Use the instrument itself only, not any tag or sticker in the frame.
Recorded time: 6 h 12 min
